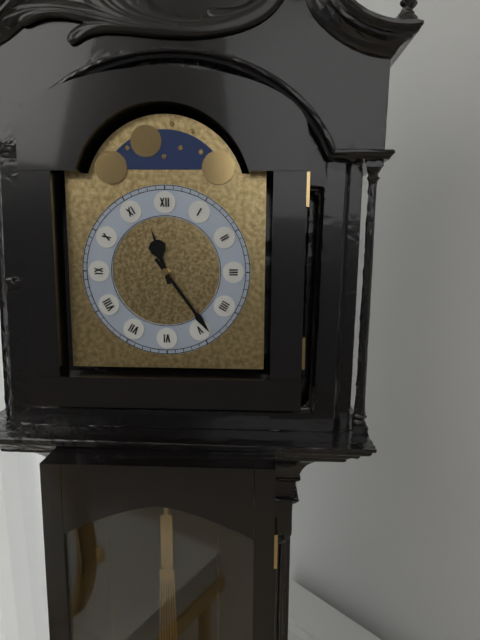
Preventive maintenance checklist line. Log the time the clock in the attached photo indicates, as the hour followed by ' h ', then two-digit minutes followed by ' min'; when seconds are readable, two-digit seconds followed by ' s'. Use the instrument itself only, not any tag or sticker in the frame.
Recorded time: 11 h 24 min
